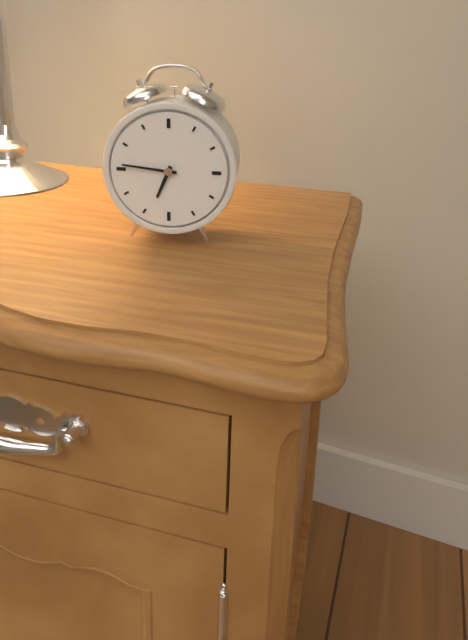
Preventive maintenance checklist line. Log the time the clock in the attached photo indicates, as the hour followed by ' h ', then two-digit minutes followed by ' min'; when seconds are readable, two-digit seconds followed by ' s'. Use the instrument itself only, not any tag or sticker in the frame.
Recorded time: 6 h 46 min
